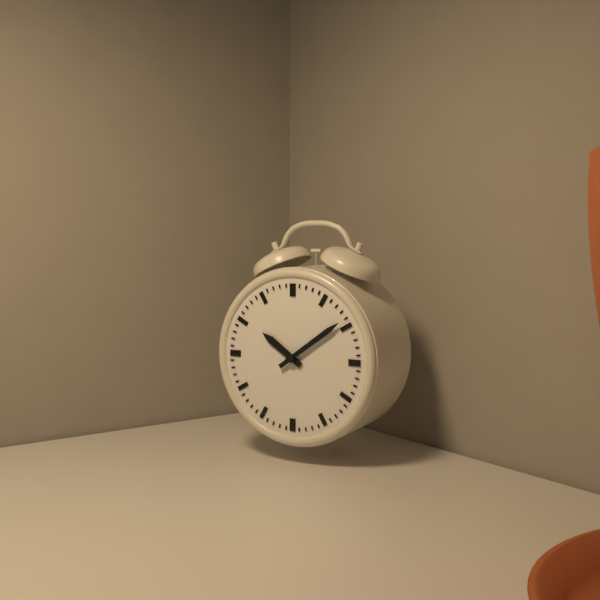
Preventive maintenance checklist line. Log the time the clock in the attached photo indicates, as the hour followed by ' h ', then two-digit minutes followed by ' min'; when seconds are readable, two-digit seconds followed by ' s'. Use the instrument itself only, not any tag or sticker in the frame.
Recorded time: 10 h 09 min
